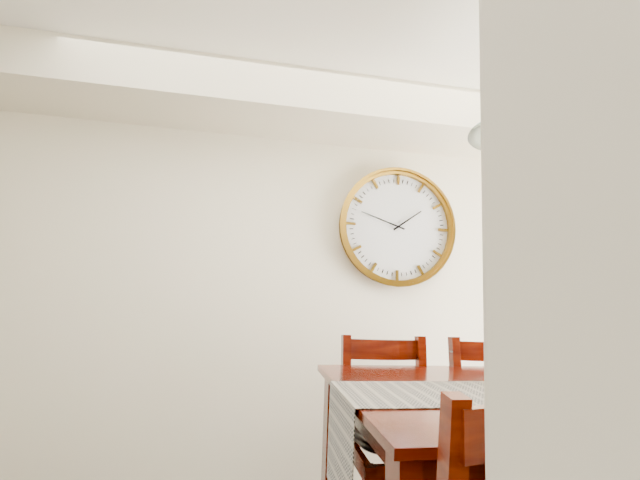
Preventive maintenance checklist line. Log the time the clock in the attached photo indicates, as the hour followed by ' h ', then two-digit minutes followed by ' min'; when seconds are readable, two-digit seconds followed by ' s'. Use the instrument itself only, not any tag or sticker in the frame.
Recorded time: 1 h 48 min
